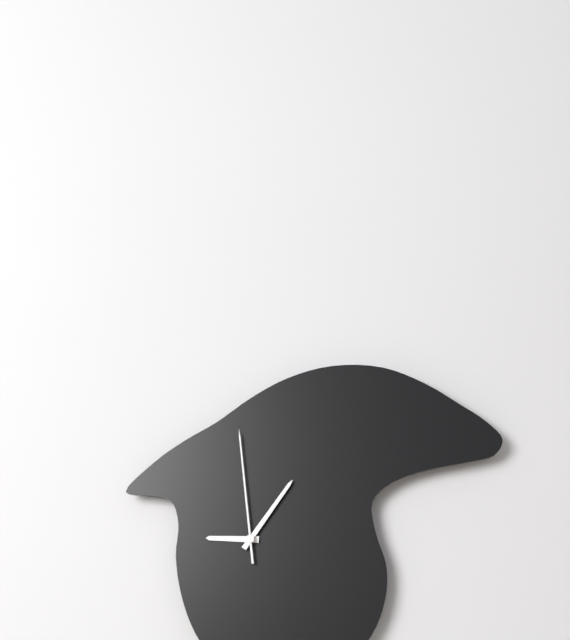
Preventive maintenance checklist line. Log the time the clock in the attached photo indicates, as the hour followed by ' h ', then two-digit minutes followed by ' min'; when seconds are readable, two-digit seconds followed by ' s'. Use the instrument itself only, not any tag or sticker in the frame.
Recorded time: 9 h 06 min 59 s
